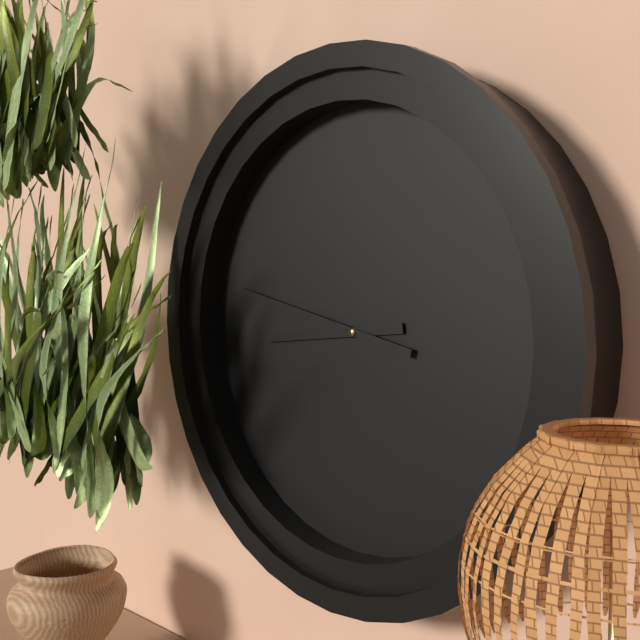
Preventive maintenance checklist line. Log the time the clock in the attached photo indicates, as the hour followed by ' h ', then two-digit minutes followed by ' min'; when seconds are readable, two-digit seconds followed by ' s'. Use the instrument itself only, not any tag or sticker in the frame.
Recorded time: 8 h 47 min
